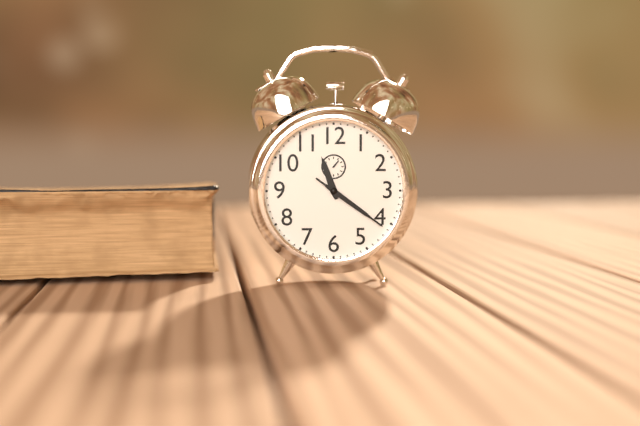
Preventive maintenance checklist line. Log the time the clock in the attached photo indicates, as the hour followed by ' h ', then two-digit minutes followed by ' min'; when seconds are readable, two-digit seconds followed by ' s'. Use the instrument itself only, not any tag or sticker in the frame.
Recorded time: 11 h 21 min 21 s
